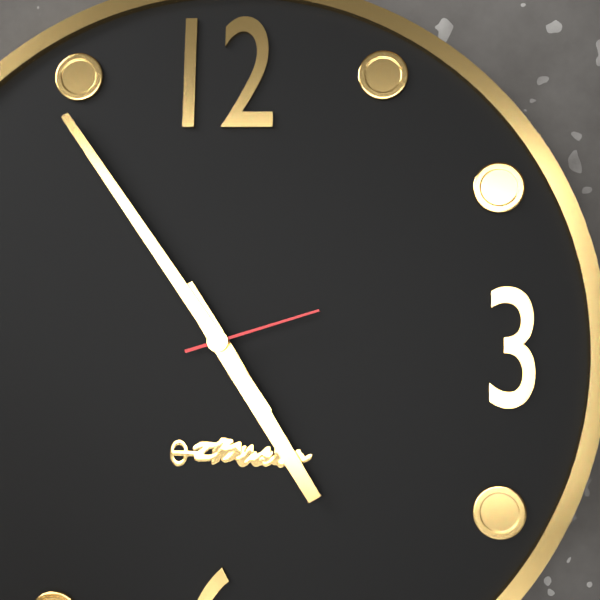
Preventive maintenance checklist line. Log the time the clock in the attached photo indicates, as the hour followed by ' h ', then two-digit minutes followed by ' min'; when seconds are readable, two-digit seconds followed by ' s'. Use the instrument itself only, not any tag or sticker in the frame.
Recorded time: 4 h 54 min 12 s
